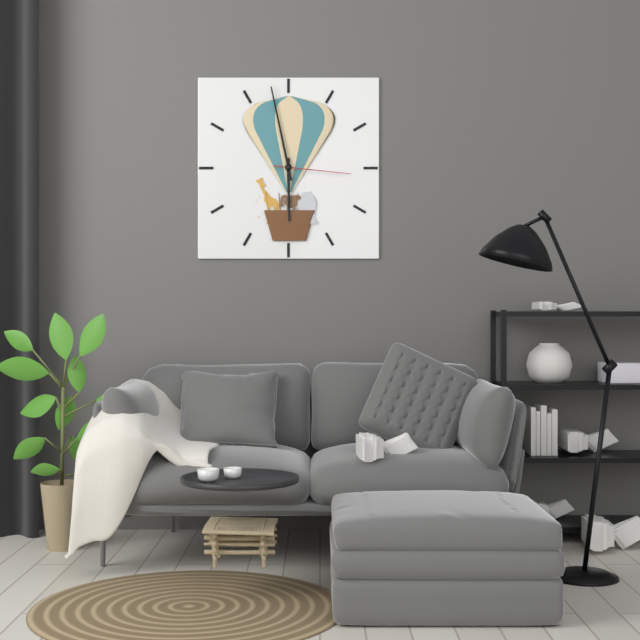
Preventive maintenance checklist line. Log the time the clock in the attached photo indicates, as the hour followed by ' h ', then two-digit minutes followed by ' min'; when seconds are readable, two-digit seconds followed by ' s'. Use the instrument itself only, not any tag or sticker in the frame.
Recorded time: 5 h 58 min 16 s
